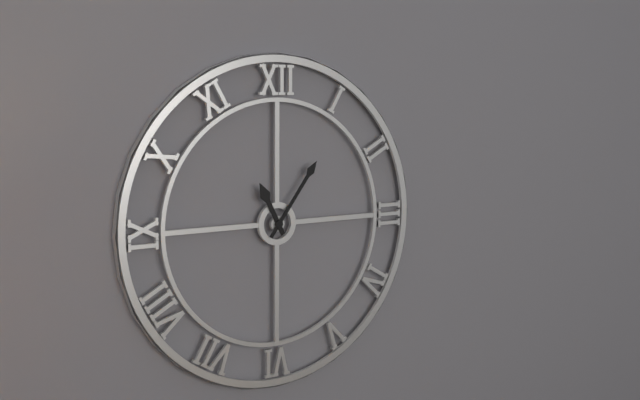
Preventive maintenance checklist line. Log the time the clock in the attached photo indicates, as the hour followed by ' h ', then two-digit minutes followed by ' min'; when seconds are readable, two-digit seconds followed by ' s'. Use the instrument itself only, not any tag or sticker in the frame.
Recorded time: 11 h 06 min
